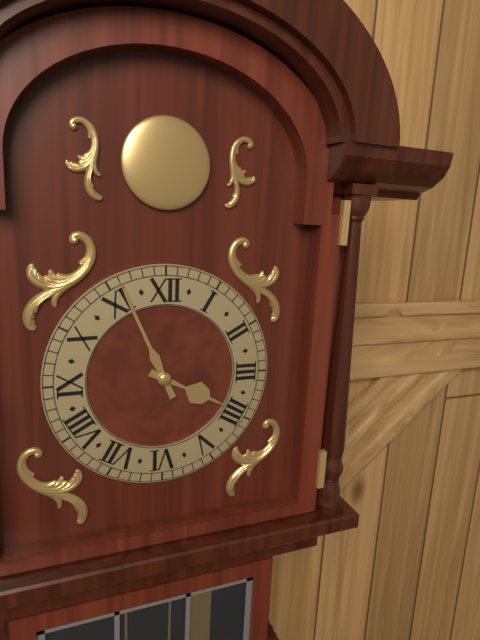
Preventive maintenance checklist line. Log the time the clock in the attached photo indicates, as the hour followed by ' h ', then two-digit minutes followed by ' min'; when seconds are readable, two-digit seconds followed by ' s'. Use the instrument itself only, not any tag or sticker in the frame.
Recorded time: 3 h 56 min
